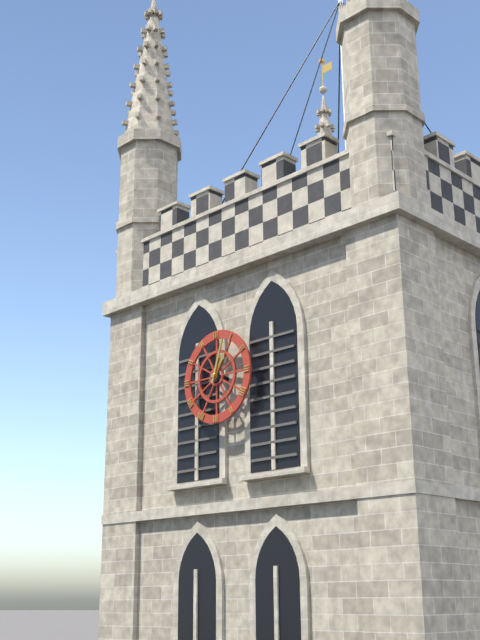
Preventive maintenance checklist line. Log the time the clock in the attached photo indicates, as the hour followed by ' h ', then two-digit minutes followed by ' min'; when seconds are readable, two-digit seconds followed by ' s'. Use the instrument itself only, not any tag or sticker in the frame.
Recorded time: 1 h 03 min
